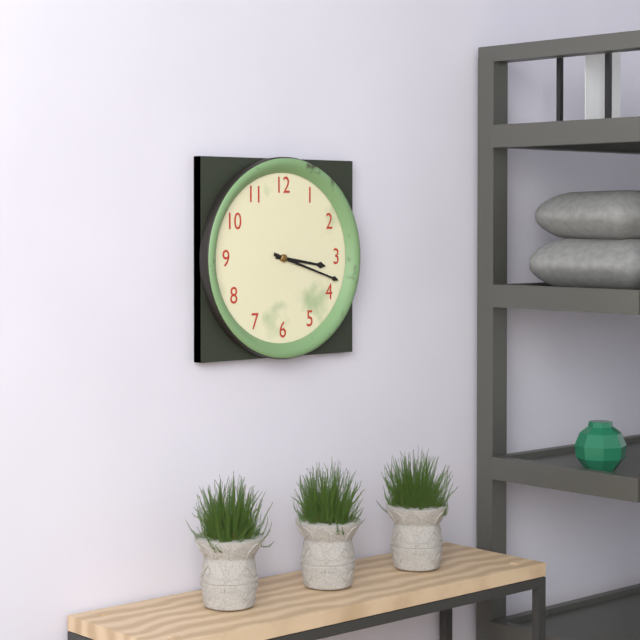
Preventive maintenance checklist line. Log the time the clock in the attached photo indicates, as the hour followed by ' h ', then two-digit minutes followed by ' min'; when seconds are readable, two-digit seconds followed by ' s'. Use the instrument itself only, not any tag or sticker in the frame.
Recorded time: 3 h 18 min
